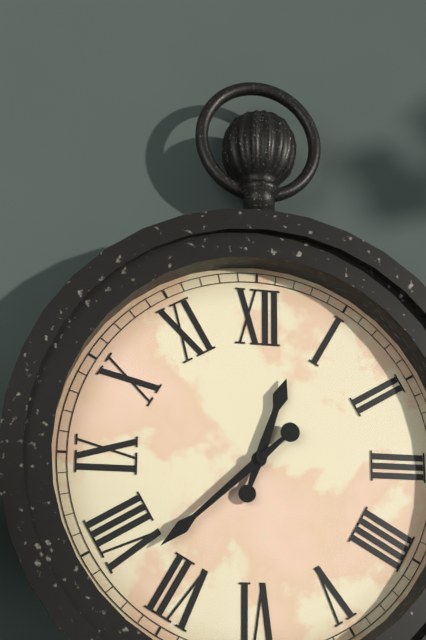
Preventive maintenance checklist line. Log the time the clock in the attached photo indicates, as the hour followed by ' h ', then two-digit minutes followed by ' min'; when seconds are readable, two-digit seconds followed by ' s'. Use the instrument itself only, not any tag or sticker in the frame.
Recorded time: 12 h 38 min
